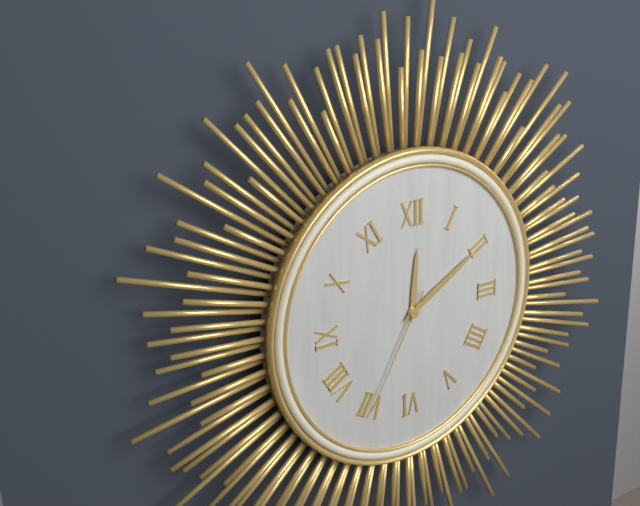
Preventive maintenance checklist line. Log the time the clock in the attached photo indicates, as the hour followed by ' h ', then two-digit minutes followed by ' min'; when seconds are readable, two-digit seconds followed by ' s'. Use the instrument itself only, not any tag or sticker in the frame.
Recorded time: 12 h 10 min 35 s
